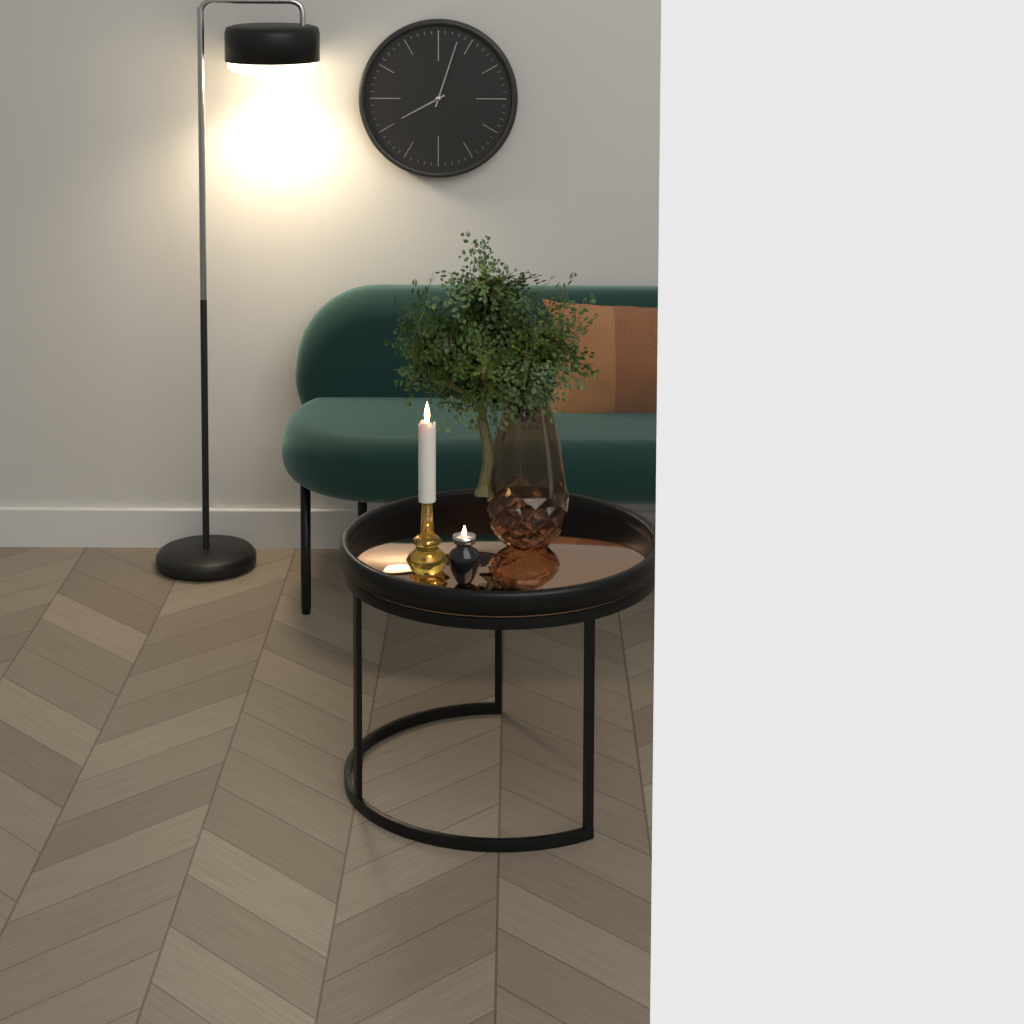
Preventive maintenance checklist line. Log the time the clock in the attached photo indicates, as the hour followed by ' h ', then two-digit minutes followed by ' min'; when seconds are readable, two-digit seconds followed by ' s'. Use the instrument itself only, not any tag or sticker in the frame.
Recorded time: 8 h 03 min
